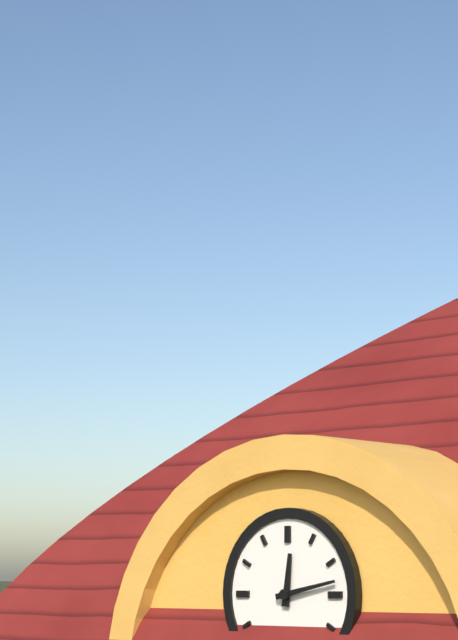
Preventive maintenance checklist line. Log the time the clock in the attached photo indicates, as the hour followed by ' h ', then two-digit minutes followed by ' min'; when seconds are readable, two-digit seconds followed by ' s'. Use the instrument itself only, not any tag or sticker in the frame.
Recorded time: 12 h 13 min
